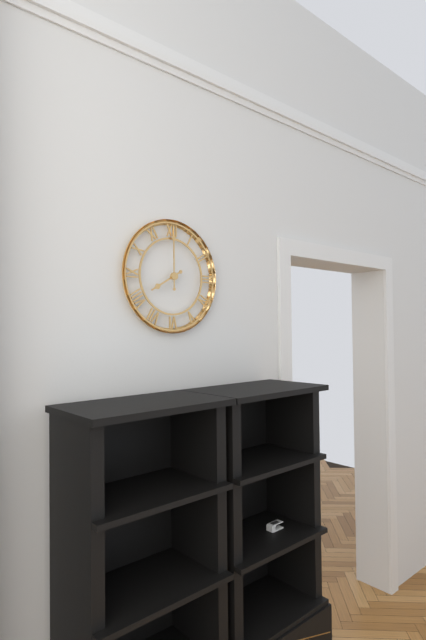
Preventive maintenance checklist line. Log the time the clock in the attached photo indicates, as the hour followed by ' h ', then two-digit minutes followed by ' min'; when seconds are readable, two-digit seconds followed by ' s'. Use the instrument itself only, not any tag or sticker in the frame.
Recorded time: 8 h 00 min
